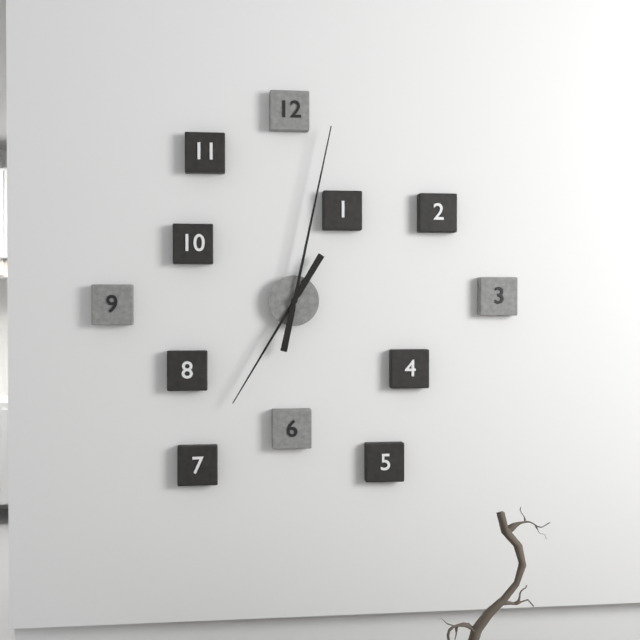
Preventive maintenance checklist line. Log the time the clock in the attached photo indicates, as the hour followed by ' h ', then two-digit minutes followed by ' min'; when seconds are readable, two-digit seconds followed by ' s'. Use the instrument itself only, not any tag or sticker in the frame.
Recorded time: 7 h 02 min
